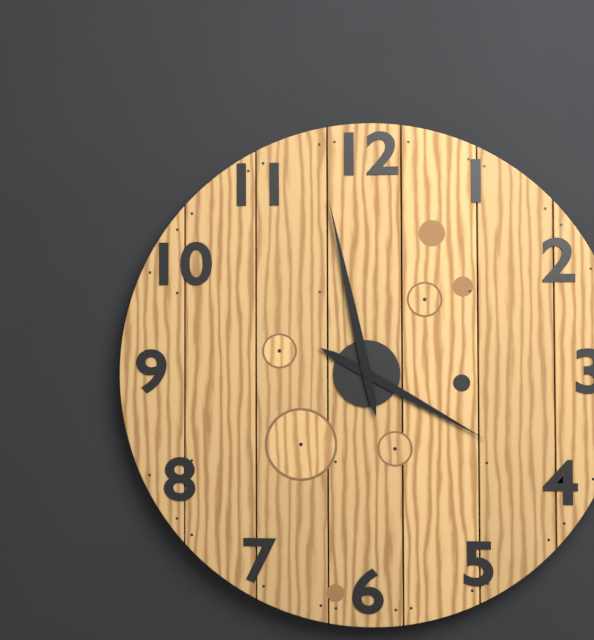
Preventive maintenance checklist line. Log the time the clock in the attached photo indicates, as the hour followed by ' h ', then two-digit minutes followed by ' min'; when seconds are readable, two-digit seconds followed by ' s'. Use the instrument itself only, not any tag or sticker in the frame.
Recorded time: 3 h 58 min
